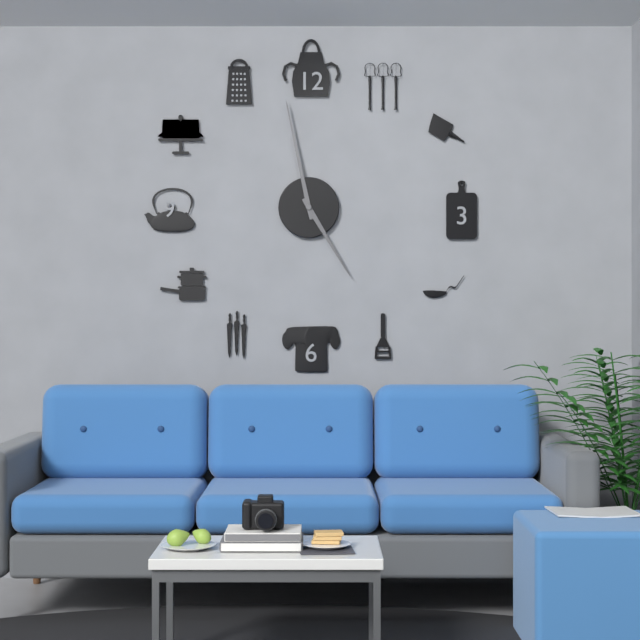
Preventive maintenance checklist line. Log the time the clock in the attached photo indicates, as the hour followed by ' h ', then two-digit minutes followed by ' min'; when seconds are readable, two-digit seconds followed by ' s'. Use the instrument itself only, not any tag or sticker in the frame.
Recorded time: 4 h 58 min
